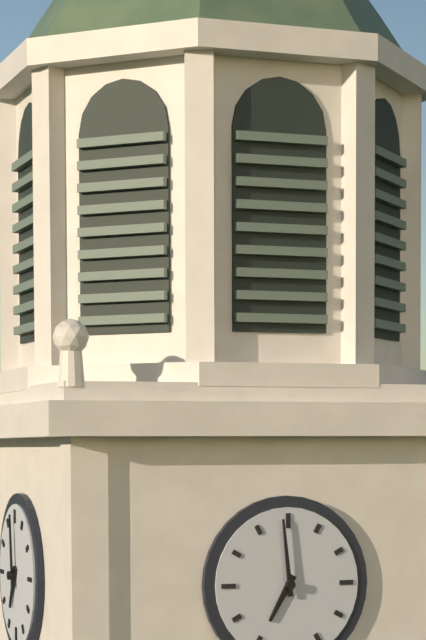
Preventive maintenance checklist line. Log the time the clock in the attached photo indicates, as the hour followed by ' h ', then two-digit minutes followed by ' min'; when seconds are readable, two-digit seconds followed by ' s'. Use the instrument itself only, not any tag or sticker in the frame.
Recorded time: 6 h 59 min
